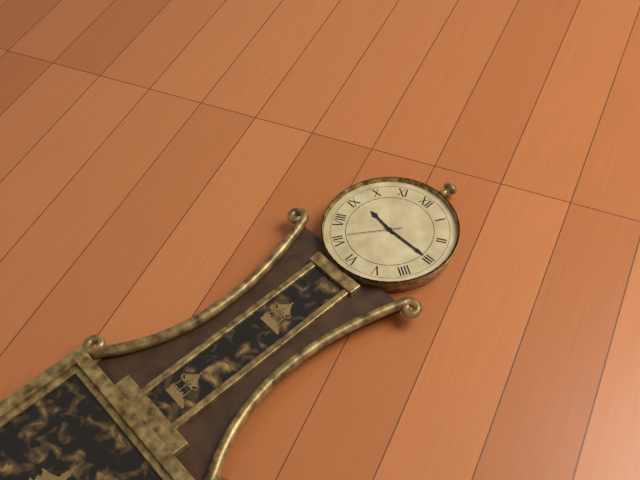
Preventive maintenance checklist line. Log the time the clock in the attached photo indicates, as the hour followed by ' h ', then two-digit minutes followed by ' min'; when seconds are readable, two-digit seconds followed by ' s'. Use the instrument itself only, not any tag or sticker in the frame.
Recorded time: 9 h 15 min 36 s
